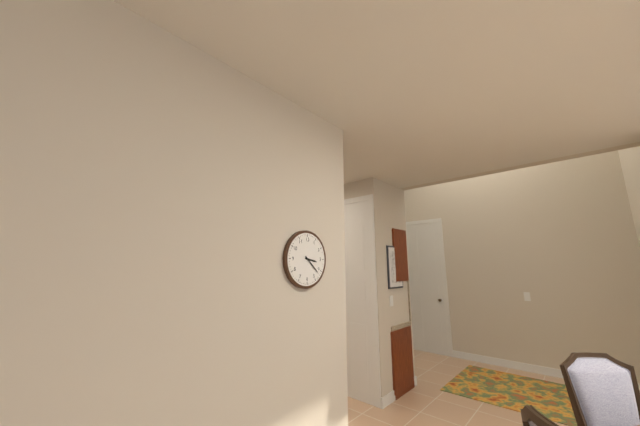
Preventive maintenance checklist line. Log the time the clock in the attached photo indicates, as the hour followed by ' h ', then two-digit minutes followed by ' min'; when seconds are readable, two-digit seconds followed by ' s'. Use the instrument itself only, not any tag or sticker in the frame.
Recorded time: 3 h 22 min
